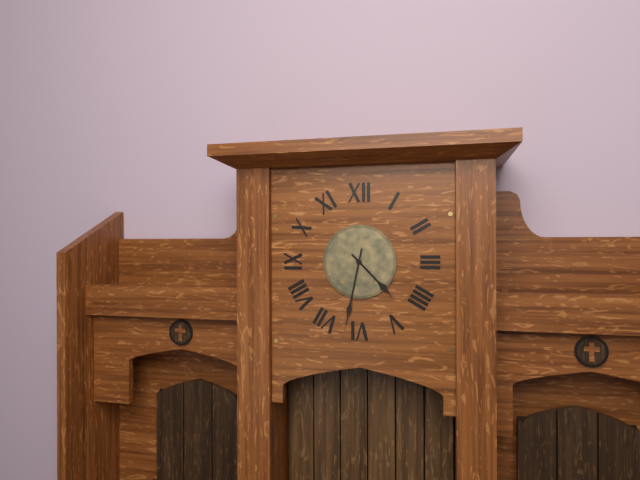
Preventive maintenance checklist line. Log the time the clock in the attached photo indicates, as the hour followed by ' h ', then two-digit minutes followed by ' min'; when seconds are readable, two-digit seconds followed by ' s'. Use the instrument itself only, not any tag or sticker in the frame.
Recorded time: 4 h 32 min
